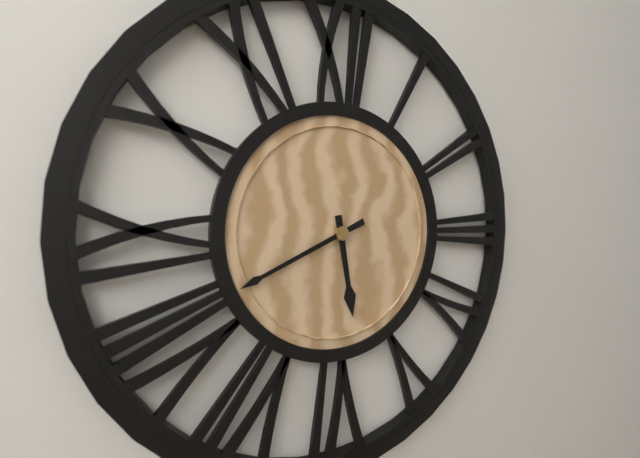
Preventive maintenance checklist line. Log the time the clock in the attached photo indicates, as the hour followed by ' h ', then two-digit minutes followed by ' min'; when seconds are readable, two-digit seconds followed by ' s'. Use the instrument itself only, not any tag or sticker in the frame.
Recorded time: 5 h 41 min
